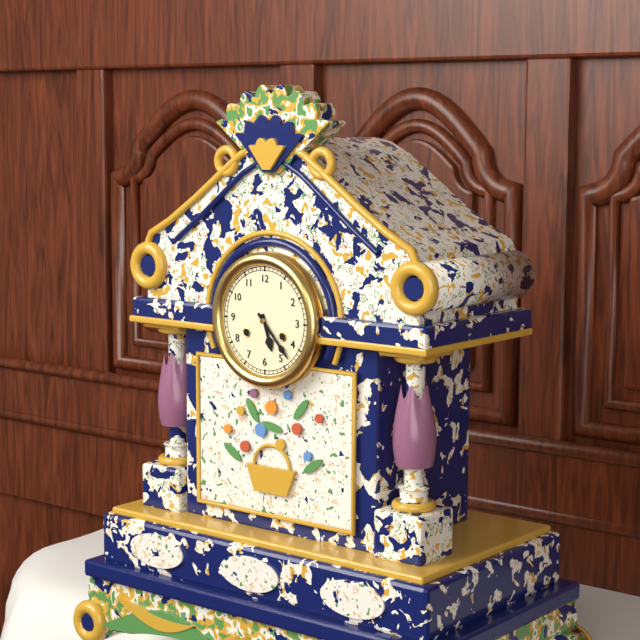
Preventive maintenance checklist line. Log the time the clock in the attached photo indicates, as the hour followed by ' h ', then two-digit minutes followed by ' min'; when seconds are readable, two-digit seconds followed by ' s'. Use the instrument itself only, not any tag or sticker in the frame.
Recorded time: 5 h 23 min
